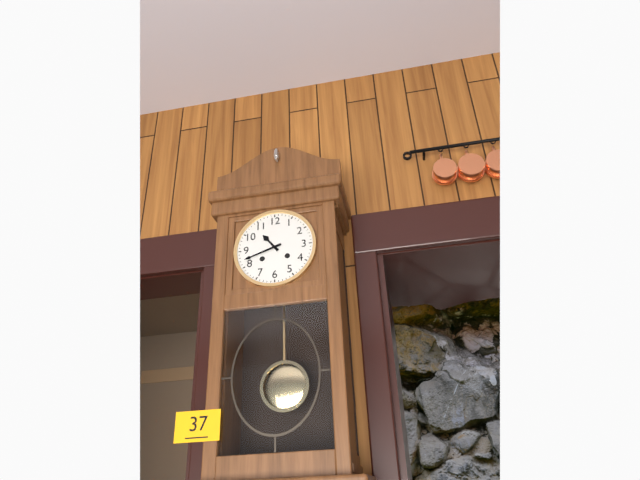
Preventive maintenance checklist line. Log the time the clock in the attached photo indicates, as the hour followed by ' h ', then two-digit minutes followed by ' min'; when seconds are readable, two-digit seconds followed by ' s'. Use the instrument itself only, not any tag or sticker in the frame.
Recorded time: 10 h 42 min
